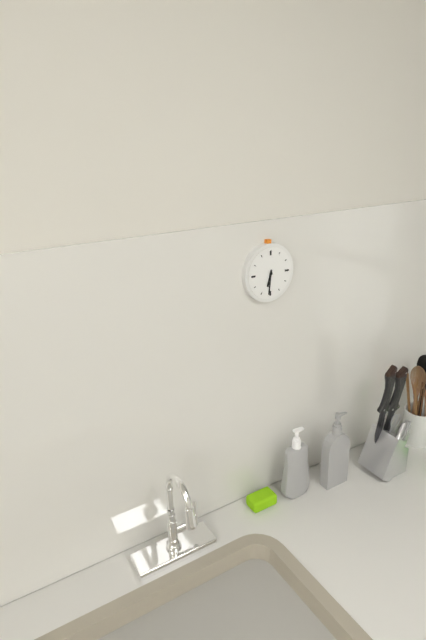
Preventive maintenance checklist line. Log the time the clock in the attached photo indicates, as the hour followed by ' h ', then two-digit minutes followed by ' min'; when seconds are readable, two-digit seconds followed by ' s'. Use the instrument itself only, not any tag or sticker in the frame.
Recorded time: 6 h 31 min
